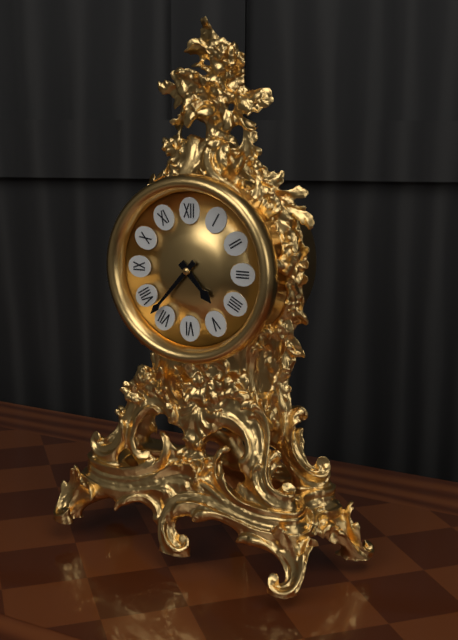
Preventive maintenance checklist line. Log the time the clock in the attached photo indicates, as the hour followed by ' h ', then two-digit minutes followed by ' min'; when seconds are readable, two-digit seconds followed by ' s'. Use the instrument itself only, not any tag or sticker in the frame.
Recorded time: 4 h 37 min
